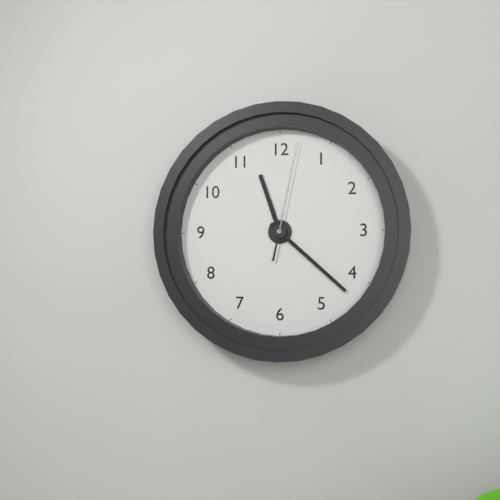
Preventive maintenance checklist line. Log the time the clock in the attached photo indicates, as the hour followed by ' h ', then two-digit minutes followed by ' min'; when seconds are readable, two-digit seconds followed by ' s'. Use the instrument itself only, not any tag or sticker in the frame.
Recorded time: 11 h 22 min 02 s
